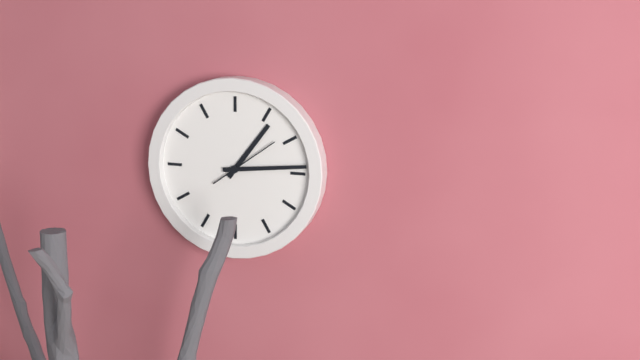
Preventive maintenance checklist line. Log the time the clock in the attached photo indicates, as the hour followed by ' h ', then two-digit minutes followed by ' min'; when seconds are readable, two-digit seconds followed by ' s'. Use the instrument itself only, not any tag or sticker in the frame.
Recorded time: 1 h 14 min 09 s
